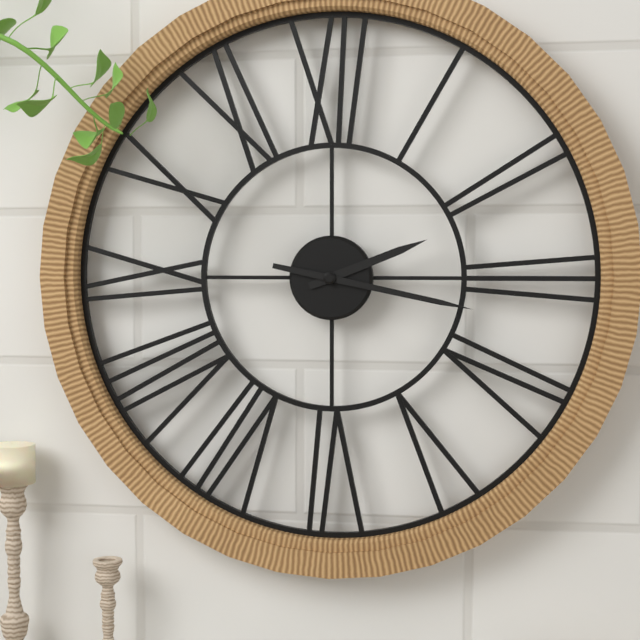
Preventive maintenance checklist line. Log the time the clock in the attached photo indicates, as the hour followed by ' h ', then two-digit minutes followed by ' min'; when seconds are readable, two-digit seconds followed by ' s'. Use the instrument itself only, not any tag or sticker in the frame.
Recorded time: 2 h 17 min
